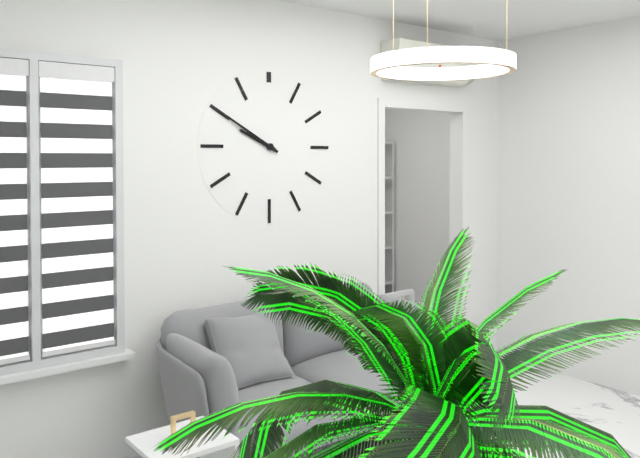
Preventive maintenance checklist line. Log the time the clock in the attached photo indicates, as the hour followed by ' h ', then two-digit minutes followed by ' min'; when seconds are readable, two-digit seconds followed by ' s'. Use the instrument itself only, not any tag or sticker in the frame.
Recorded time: 9 h 50 min
